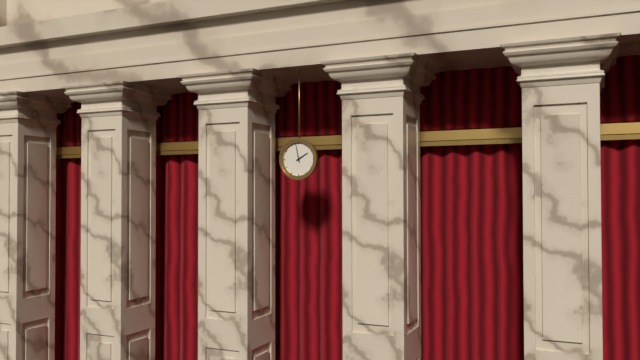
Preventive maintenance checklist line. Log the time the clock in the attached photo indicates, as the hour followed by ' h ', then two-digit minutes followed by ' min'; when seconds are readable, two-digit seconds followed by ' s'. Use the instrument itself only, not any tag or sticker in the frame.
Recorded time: 1 h 58 min
